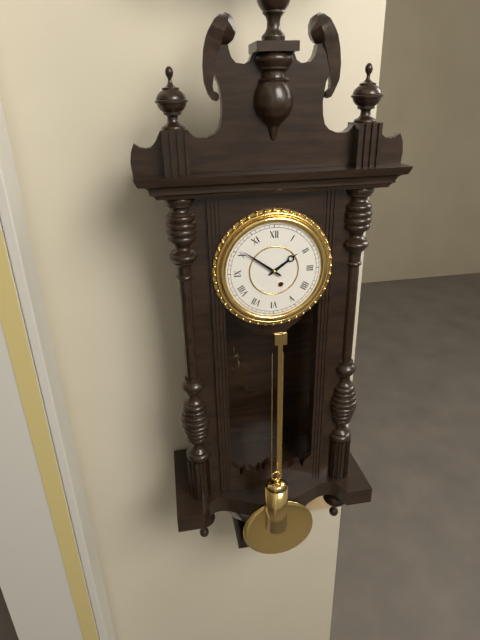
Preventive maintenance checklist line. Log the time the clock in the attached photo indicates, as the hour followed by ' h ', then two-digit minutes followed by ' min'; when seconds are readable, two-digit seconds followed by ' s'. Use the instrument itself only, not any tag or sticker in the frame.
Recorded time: 1 h 51 min
